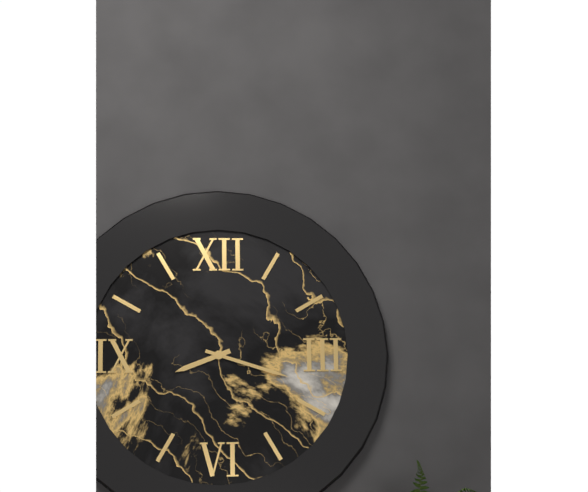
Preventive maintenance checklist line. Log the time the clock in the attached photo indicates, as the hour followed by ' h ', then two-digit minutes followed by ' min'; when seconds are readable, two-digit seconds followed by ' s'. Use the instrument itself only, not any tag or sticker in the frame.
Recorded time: 8 h 18 min
